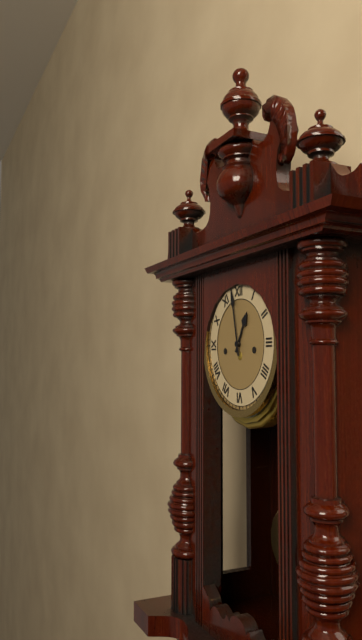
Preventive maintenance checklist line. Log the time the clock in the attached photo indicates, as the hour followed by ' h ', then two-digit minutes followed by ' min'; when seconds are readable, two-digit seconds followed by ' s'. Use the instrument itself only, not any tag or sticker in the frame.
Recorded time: 12 h 58 min
